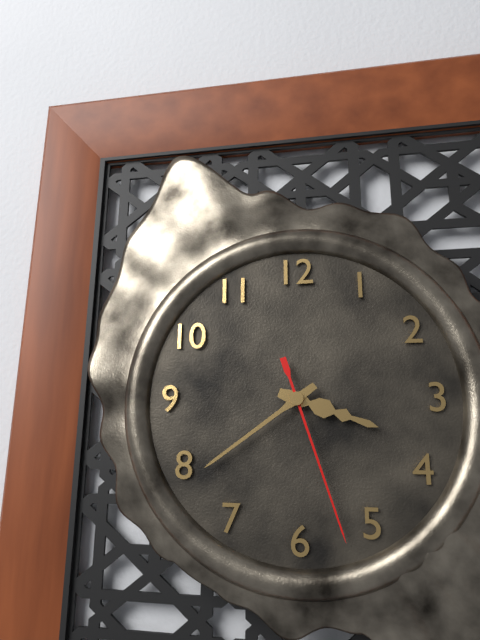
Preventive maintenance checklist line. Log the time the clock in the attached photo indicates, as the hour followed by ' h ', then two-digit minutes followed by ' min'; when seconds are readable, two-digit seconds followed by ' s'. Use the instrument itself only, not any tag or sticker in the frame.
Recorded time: 3 h 39 min 27 s
